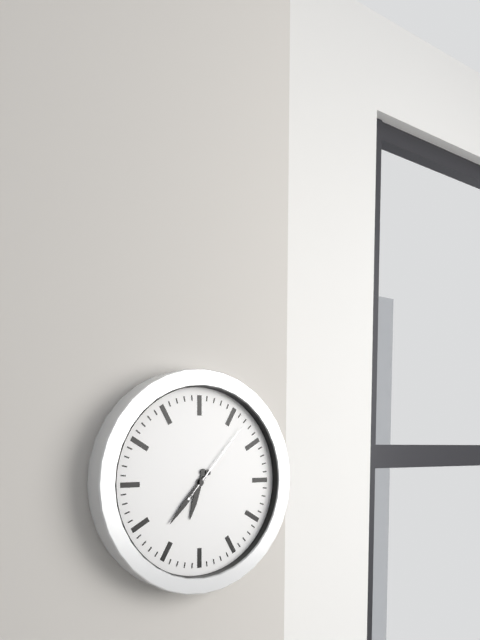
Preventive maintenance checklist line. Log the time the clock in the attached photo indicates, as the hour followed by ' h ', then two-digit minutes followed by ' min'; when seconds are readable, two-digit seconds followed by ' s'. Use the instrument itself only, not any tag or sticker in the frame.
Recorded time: 6 h 37 min 07 s
